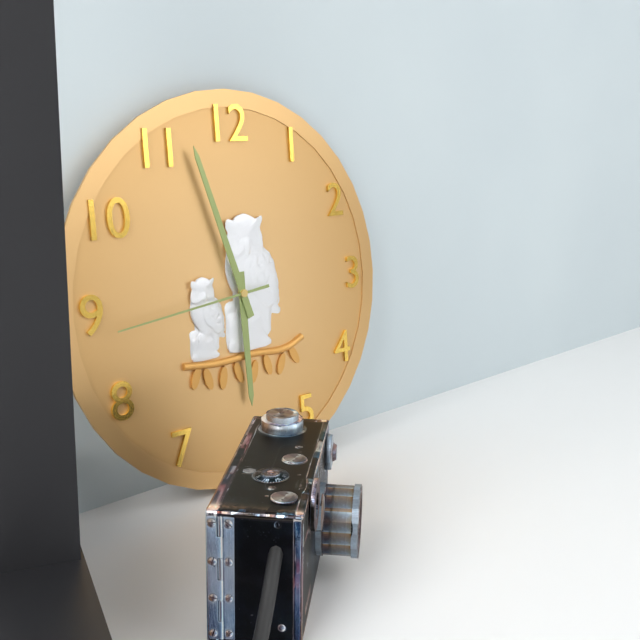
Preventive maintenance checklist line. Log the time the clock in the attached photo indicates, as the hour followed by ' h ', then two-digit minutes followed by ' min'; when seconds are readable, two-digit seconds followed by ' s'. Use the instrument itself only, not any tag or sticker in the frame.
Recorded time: 5 h 57 min 44 s
